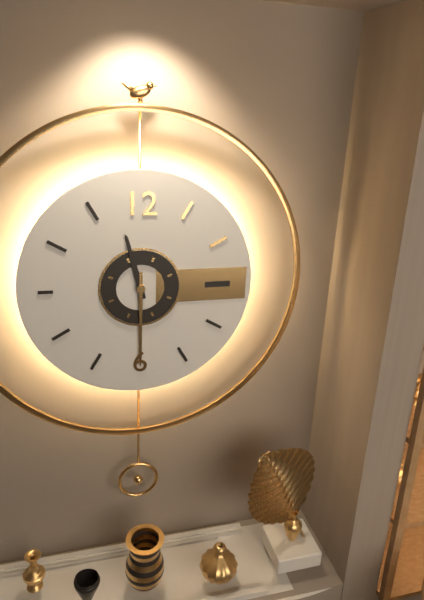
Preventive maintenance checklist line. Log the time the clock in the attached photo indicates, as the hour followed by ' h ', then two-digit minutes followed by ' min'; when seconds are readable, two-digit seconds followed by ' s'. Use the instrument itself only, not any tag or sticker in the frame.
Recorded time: 11 h 30 min
